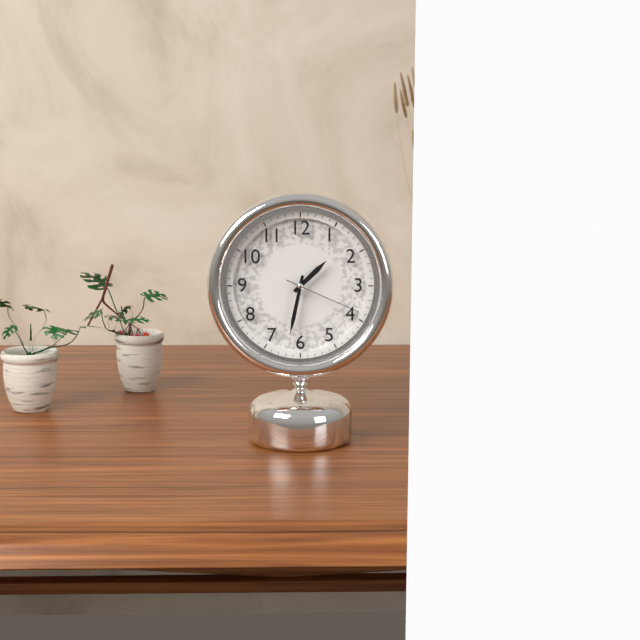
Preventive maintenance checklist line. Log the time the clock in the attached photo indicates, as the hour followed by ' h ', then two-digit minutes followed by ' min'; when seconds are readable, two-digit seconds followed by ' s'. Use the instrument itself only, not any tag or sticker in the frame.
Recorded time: 1 h 32 min 19 s
